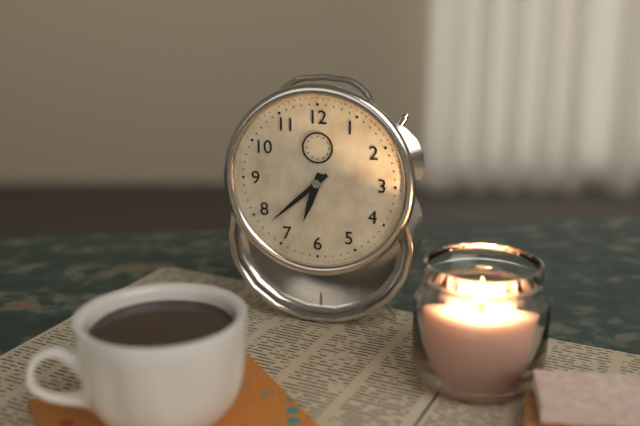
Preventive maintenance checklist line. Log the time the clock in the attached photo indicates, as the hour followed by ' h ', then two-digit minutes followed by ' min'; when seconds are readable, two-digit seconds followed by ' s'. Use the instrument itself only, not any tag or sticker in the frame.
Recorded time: 6 h 38 min
